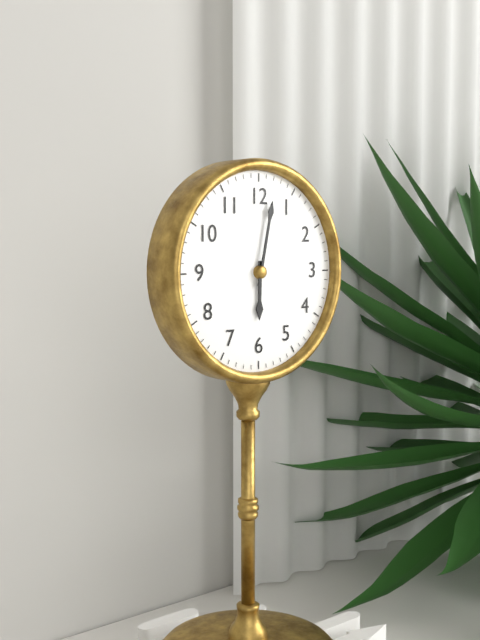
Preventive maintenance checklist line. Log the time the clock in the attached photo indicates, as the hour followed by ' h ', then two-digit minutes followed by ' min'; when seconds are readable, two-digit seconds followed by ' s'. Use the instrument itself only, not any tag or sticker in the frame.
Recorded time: 6 h 02 min
